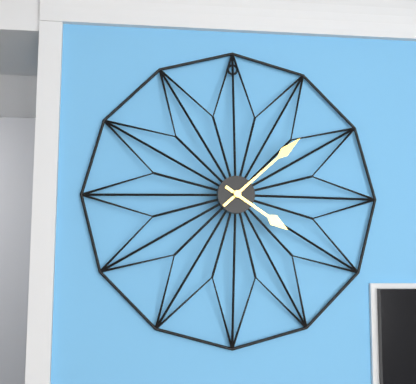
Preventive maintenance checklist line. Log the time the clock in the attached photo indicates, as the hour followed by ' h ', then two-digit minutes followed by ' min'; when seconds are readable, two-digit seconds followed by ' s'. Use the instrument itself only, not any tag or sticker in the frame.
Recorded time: 4 h 08 min
